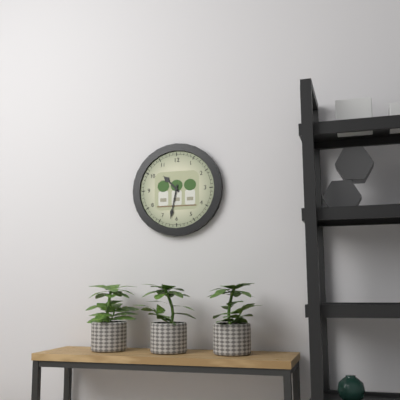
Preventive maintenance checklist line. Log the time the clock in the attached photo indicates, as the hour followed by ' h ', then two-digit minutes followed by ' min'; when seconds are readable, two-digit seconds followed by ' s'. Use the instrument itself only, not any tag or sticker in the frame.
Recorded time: 10 h 32 min
